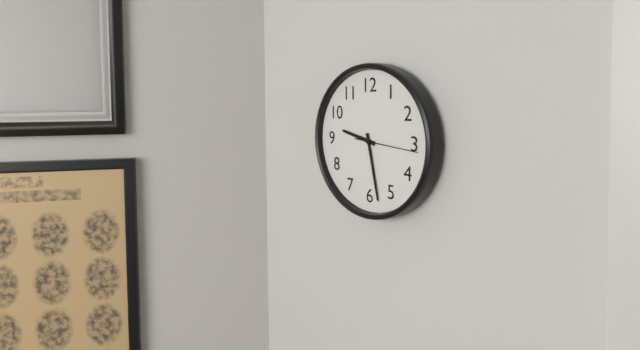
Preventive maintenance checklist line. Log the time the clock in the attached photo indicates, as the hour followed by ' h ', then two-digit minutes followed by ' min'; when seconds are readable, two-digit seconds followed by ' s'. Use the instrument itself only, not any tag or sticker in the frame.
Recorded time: 9 h 28 min 16 s
